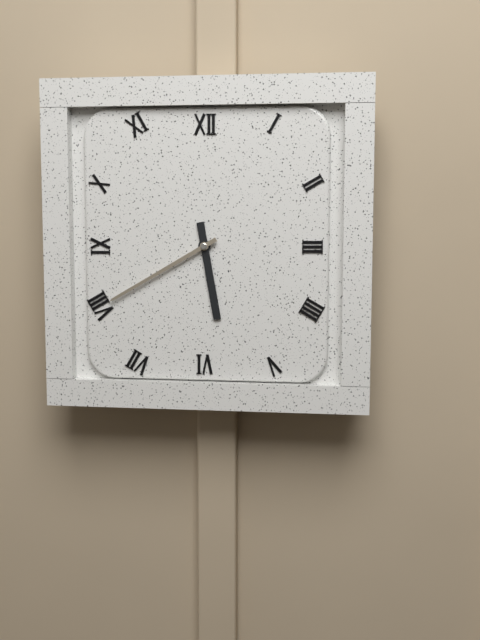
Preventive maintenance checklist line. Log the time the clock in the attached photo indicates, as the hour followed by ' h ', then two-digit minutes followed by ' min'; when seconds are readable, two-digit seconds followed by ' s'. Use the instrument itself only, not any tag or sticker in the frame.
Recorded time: 5 h 40 min
